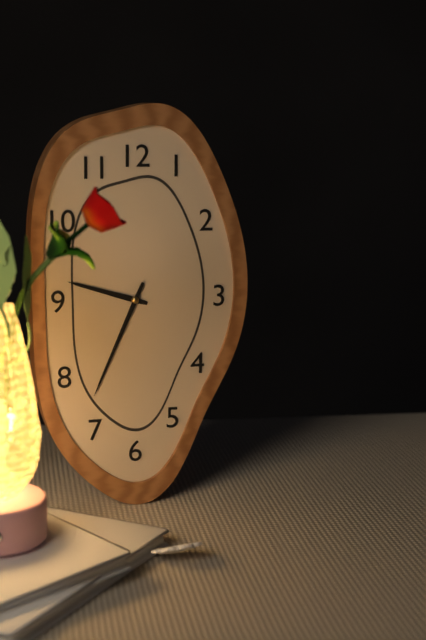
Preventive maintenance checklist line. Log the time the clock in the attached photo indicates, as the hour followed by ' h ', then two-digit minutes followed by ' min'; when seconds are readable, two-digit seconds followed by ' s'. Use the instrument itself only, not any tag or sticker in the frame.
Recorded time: 9 h 34 min
